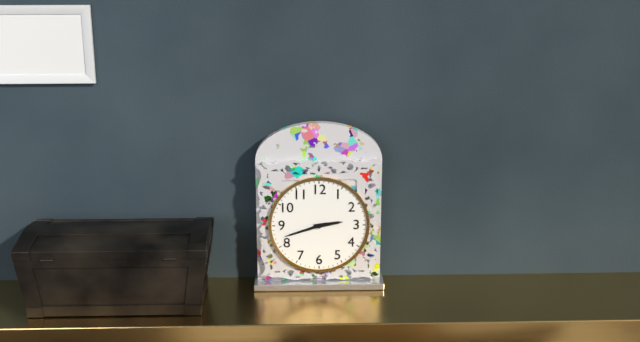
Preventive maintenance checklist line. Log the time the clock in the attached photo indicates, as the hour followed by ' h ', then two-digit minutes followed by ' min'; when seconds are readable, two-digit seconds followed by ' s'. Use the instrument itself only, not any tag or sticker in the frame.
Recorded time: 2 h 42 min
